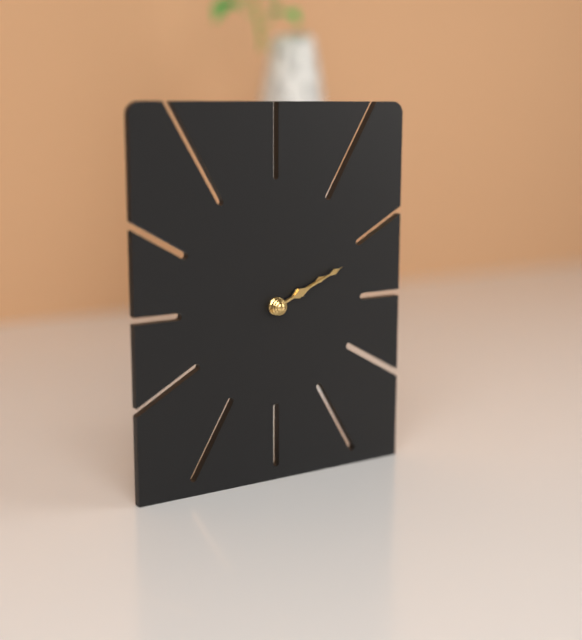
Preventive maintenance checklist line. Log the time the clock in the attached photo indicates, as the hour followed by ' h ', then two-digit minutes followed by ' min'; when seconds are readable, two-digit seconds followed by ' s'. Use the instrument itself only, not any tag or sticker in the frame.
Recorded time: 2 h 11 min
